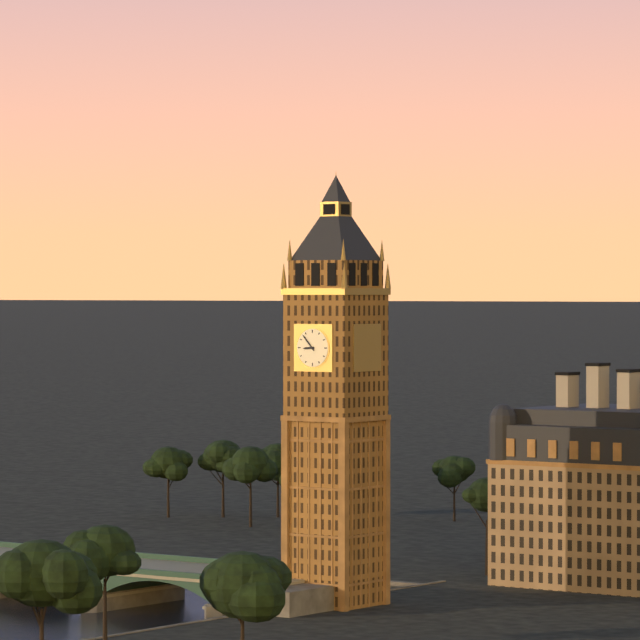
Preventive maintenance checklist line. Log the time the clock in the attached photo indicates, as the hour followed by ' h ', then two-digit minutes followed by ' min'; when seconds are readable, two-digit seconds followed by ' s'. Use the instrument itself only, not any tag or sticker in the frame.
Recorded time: 8 h 53 min
